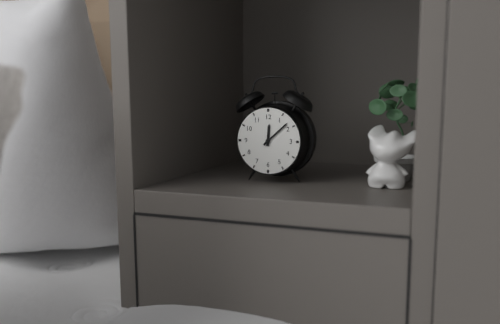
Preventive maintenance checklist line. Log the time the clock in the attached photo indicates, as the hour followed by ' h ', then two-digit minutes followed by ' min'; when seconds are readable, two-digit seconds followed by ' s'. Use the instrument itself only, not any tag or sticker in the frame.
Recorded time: 12 h 08 min
